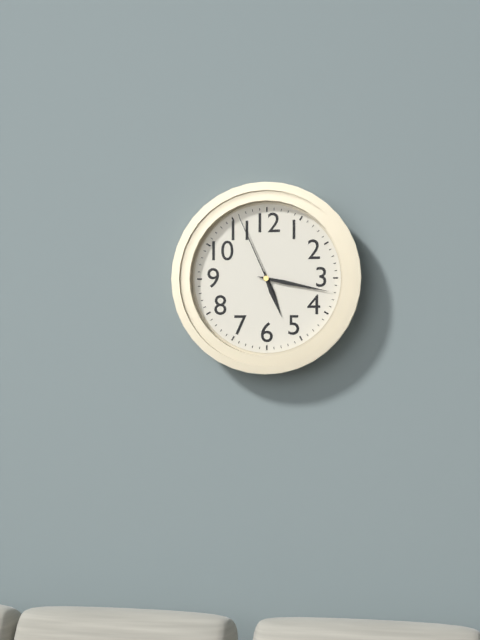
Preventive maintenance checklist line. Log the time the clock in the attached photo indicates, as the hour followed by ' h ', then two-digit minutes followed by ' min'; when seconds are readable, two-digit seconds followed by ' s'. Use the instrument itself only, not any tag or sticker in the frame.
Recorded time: 5 h 17 min 56 s
